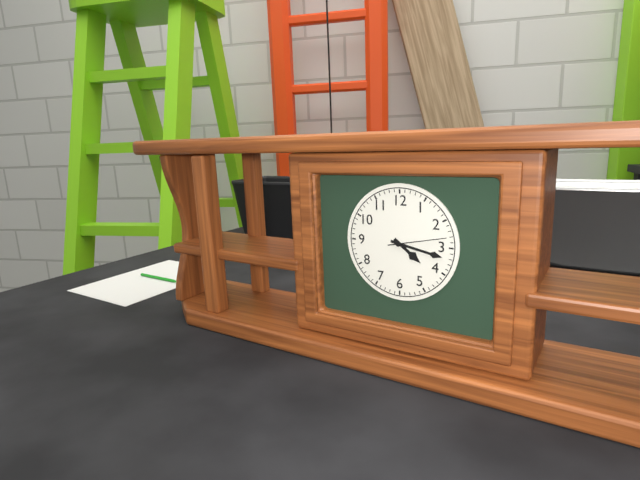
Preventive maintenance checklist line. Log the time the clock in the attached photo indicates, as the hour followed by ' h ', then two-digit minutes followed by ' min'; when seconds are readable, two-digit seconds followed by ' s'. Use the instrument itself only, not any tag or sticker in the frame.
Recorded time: 4 h 17 min 13 s
